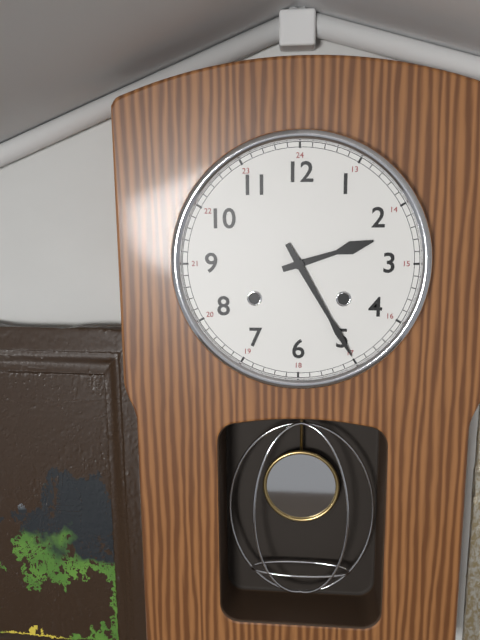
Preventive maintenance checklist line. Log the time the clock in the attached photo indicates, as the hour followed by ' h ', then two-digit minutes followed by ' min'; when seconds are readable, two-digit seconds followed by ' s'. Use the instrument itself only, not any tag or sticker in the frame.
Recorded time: 2 h 25 min
